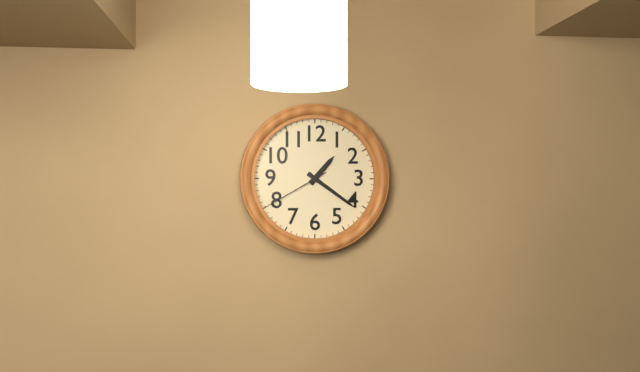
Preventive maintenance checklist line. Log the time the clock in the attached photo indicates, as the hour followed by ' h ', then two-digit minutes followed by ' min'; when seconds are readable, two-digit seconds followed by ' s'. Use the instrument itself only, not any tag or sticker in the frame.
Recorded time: 1 h 21 min 40 s
